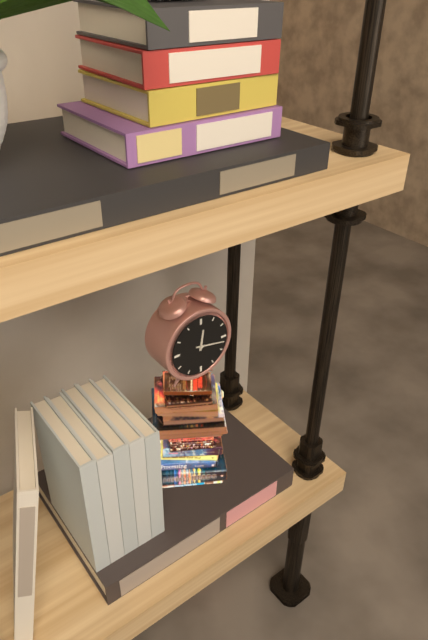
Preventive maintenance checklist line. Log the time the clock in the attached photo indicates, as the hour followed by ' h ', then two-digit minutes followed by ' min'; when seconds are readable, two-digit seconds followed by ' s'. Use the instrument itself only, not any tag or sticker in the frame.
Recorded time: 12 h 17 min
